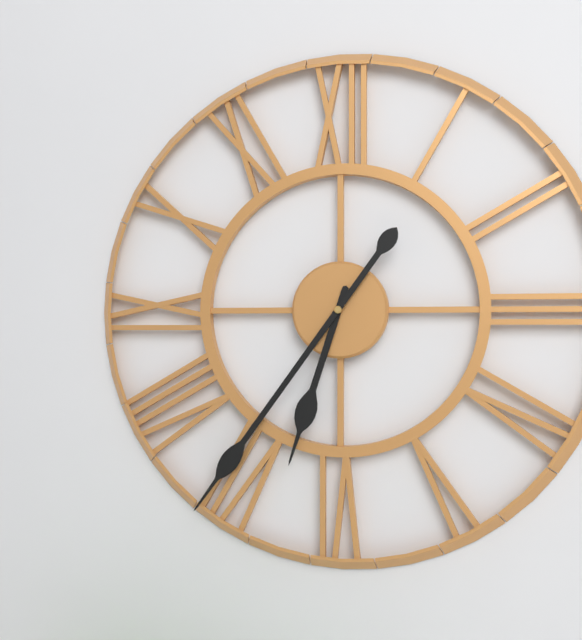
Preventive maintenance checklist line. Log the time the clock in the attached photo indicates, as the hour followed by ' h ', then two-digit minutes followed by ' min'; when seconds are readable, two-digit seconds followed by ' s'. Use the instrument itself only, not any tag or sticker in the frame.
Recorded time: 6 h 36 min
